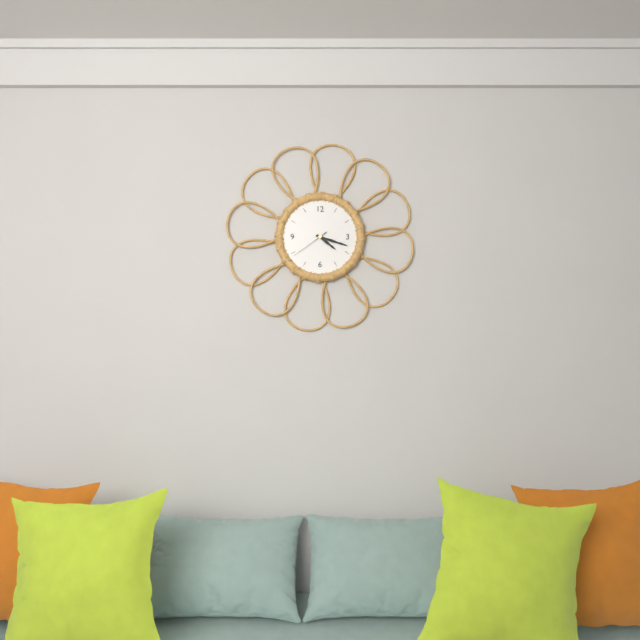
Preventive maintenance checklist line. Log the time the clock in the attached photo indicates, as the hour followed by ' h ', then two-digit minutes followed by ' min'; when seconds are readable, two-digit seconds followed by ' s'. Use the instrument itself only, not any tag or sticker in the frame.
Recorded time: 4 h 18 min
